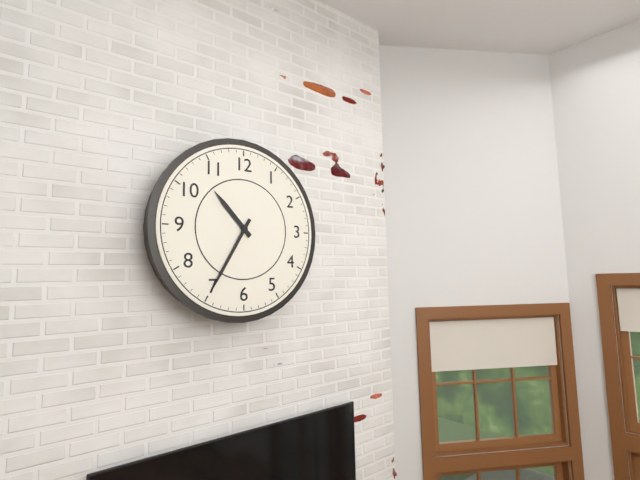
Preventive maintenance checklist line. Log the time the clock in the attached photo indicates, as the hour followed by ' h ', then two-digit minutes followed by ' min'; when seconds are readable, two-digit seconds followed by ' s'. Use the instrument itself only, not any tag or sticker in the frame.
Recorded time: 10 h 35 min
